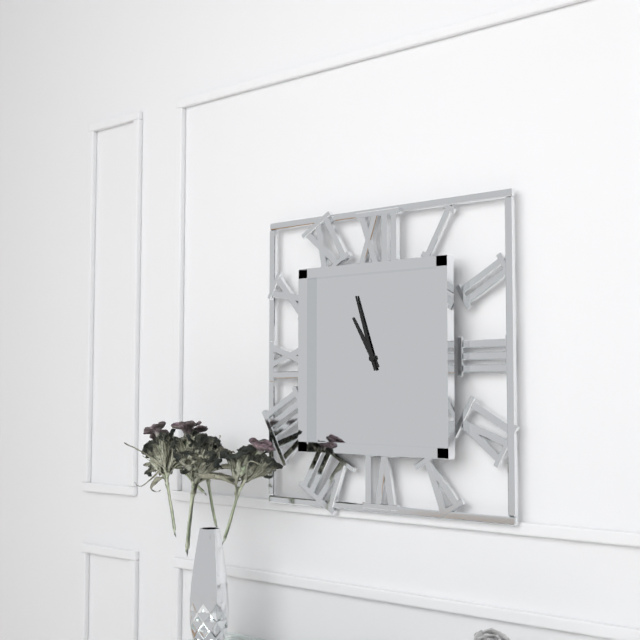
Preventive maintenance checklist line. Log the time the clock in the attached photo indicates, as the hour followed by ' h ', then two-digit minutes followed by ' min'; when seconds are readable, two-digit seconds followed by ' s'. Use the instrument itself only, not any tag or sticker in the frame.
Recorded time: 10 h 57 min
